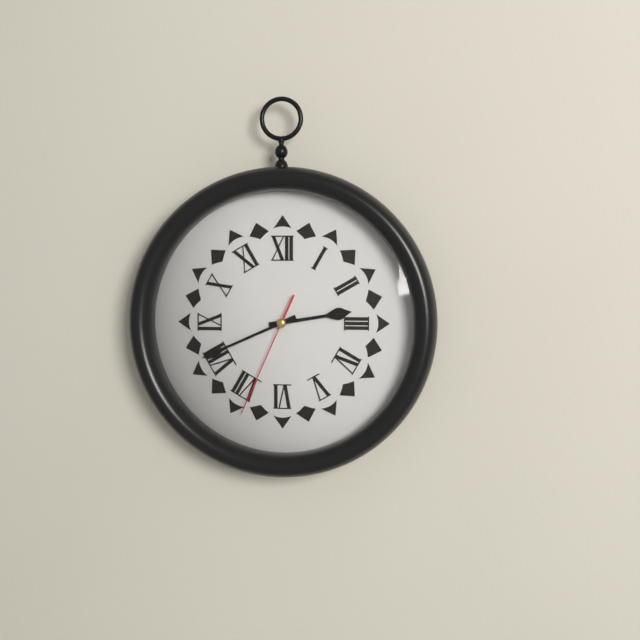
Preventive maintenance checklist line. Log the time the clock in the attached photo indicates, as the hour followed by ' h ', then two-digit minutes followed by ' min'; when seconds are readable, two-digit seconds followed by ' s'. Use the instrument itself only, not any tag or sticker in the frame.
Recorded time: 2 h 41 min 34 s
